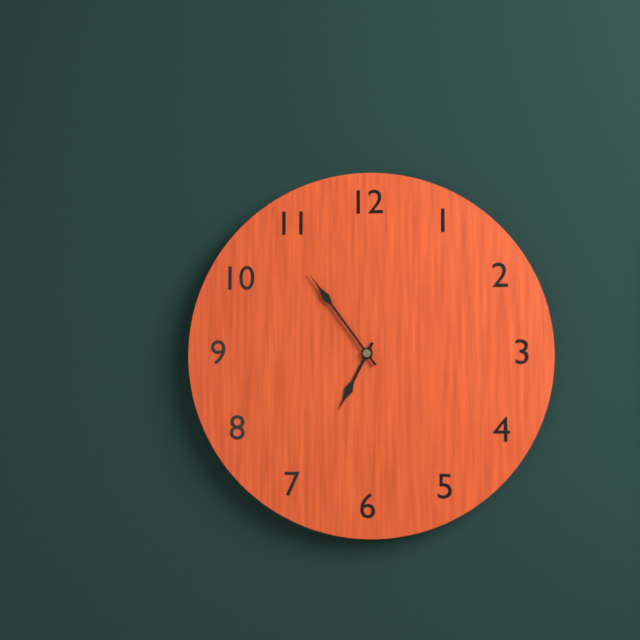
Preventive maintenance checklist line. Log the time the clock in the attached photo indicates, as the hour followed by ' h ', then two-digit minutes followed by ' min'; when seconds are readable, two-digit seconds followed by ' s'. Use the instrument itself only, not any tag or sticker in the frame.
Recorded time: 6 h 54 min
